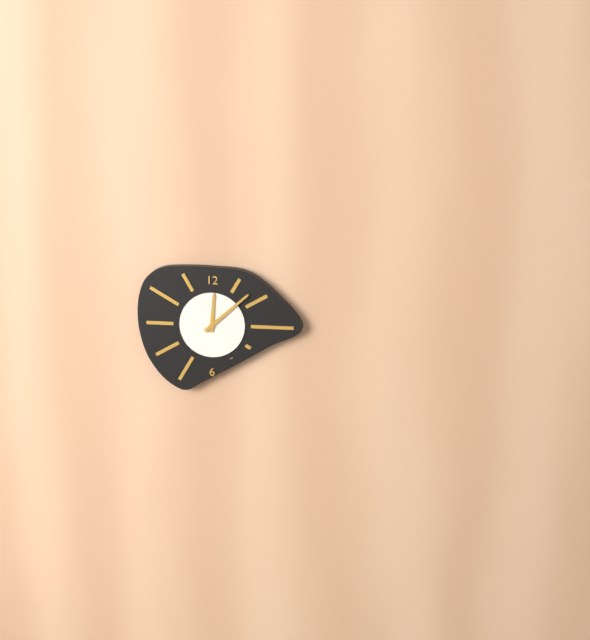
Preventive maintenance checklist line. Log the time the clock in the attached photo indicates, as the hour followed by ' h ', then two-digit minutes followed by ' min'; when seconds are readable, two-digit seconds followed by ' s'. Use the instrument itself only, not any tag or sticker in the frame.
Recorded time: 12 h 08 min
